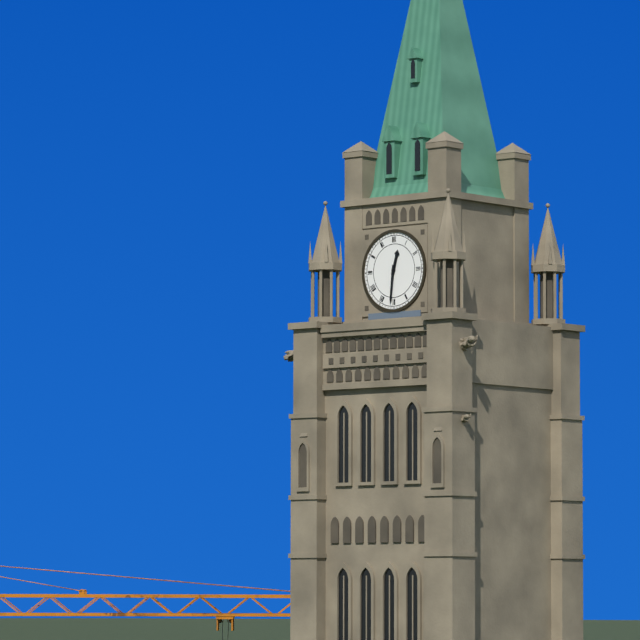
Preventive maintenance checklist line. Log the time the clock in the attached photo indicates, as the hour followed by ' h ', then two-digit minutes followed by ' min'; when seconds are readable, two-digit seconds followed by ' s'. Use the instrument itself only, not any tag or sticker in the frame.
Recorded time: 12 h 31 min
